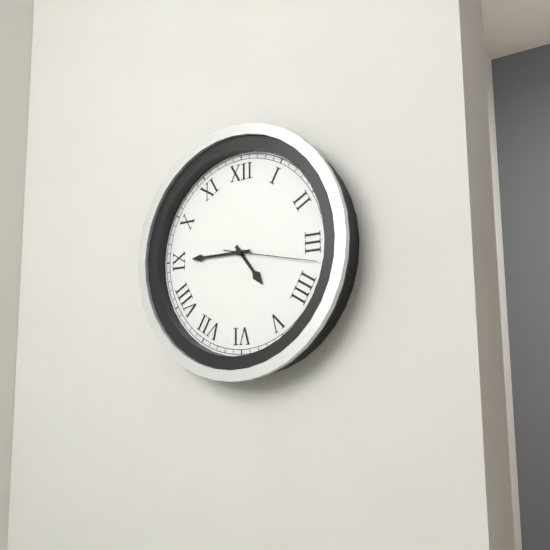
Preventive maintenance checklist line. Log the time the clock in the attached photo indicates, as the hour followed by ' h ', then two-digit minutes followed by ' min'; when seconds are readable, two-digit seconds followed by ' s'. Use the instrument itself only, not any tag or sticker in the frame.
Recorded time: 4 h 45 min 17 s
